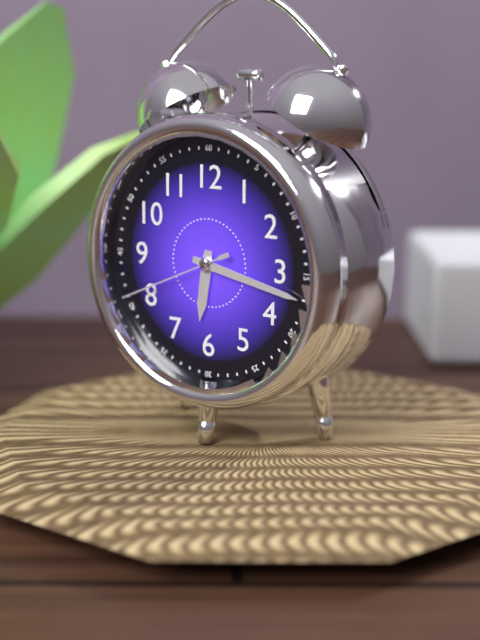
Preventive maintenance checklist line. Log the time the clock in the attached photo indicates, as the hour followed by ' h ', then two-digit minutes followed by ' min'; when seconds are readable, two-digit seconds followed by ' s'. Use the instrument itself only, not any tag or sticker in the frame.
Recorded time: 6 h 17 min 41 s
